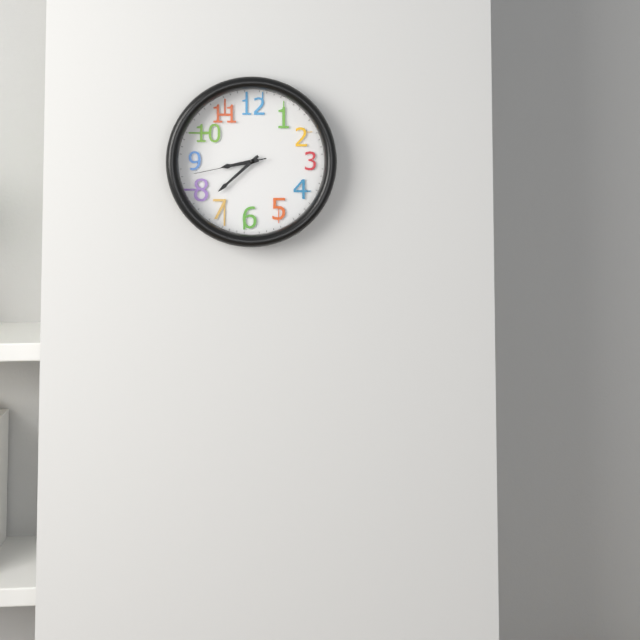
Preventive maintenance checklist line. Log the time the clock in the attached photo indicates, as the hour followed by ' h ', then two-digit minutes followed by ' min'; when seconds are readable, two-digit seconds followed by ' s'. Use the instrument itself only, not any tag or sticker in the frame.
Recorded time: 8 h 38 min 43 s
